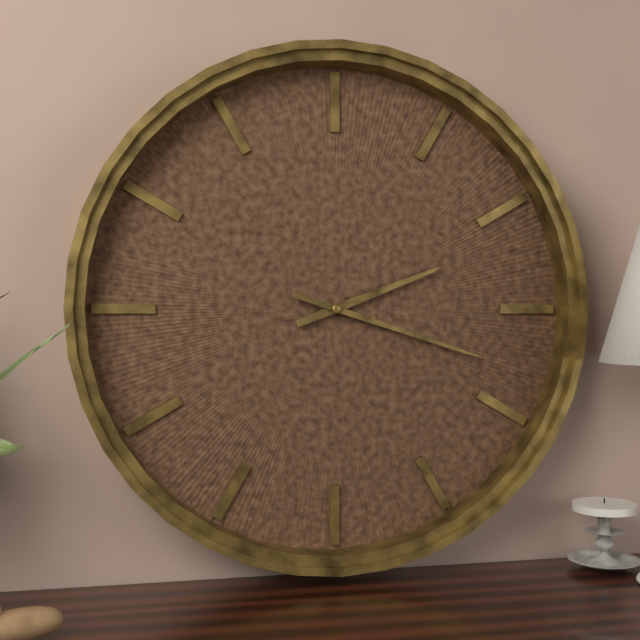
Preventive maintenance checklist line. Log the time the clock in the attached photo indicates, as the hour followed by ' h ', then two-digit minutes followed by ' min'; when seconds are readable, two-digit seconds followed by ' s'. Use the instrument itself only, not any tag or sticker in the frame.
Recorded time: 2 h 18 min
